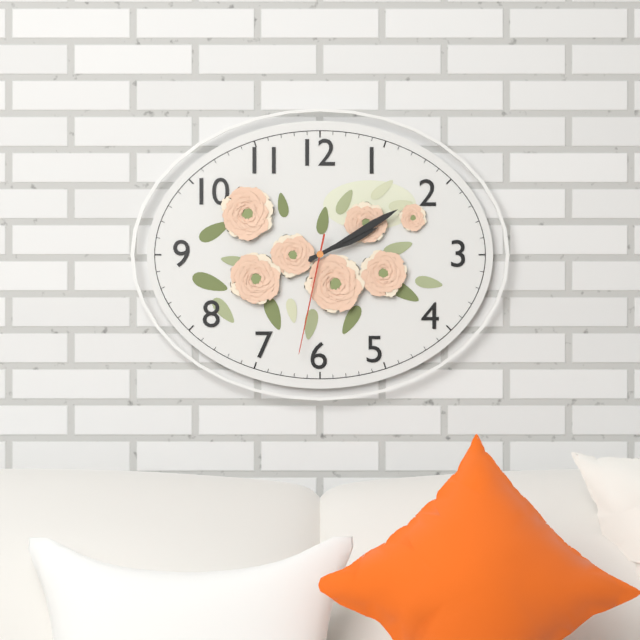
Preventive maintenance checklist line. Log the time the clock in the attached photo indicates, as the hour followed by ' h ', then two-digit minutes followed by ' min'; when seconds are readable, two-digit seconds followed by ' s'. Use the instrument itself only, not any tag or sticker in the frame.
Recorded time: 2 h 10 min 32 s
